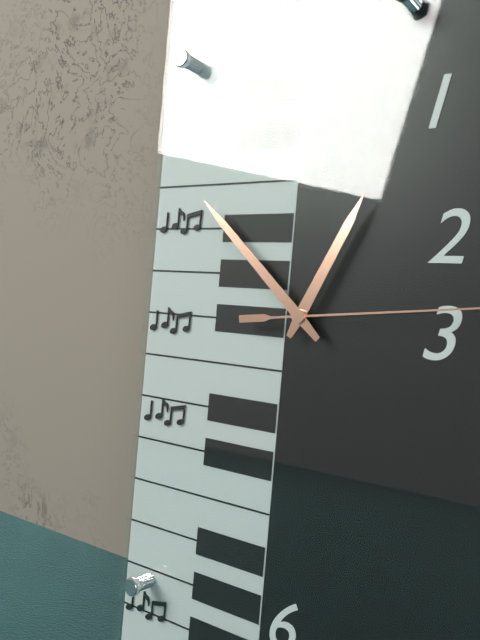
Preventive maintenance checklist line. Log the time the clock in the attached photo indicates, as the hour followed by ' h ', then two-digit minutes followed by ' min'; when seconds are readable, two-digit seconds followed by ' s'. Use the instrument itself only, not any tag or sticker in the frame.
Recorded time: 12 h 52 min
